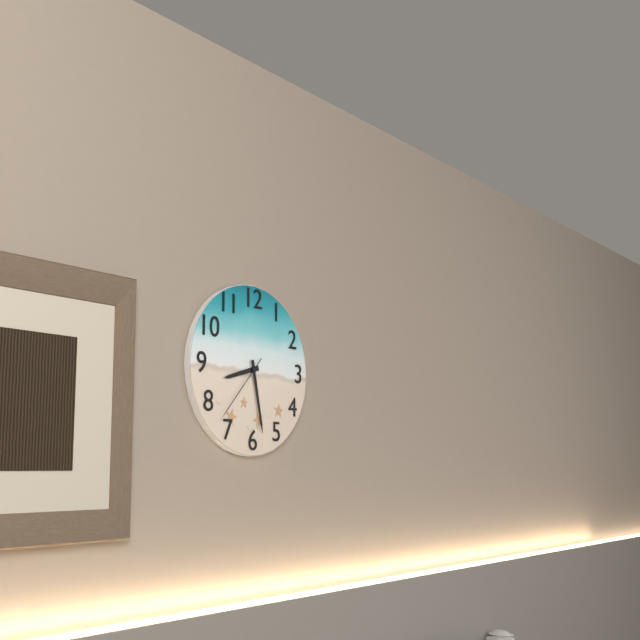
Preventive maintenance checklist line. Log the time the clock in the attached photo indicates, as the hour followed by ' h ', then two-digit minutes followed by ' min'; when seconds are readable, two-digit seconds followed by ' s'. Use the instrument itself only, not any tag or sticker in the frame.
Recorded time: 8 h 28 min 37 s
